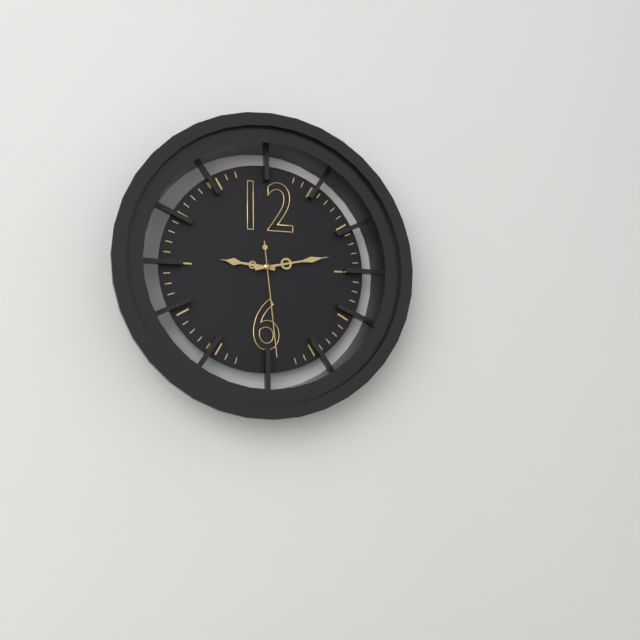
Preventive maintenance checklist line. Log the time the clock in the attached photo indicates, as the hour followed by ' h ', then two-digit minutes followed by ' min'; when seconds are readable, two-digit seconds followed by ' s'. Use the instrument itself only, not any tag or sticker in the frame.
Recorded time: 9 h 13 min 29 s
